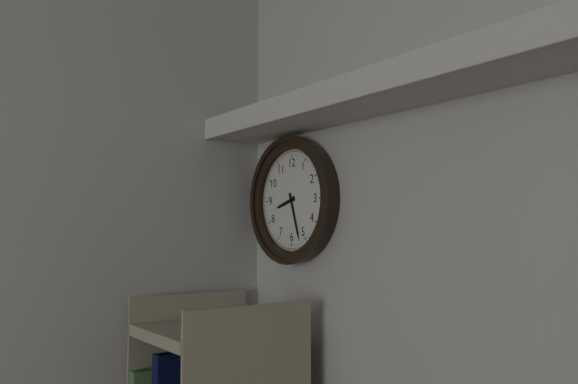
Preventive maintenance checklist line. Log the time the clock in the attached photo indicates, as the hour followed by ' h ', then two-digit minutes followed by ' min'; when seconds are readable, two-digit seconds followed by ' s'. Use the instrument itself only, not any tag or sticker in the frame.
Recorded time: 8 h 27 min
